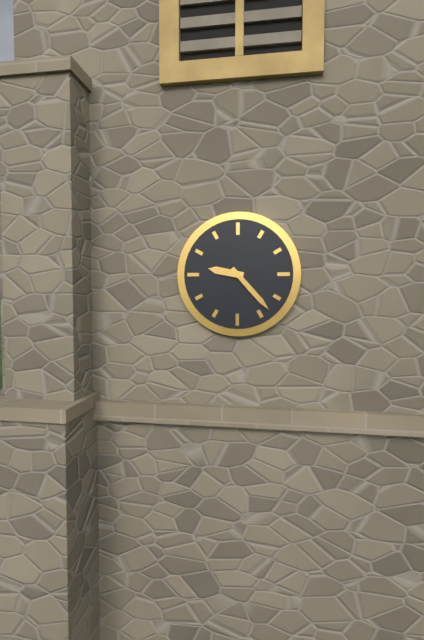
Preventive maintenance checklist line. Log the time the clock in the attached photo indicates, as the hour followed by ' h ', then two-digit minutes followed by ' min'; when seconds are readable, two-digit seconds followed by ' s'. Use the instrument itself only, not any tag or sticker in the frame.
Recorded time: 9 h 23 min
